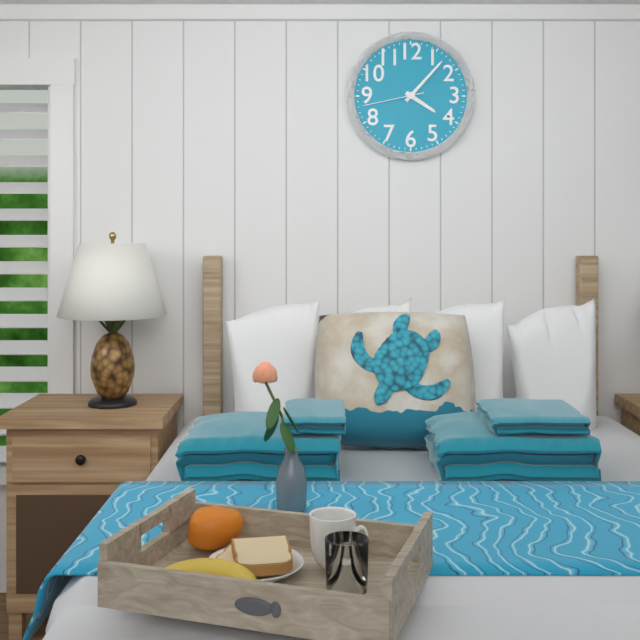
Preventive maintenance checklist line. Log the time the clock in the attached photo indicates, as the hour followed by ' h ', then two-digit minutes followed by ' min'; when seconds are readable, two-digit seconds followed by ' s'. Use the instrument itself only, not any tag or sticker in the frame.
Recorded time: 4 h 07 min 43 s
